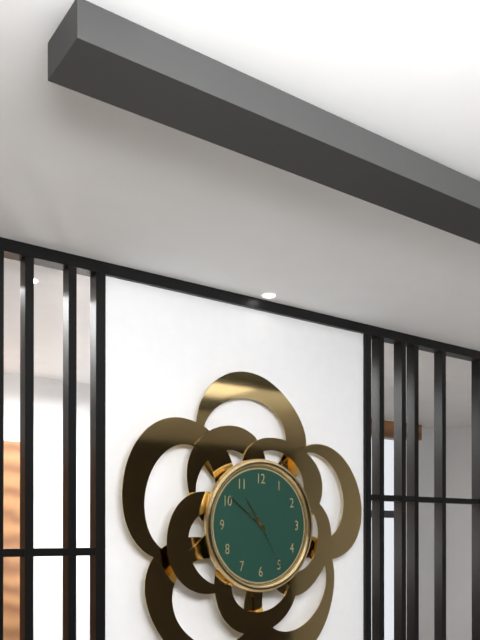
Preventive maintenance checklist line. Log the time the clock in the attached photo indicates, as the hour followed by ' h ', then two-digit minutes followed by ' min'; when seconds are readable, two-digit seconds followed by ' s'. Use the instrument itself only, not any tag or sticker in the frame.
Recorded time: 10 h 51 min 25 s
